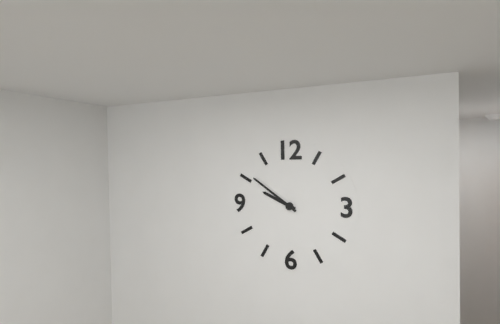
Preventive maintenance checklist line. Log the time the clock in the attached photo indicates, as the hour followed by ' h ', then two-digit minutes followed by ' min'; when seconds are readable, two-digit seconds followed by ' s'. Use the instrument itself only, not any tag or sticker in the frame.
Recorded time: 9 h 51 min
